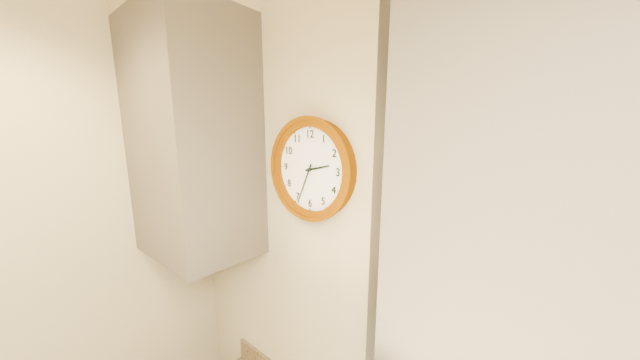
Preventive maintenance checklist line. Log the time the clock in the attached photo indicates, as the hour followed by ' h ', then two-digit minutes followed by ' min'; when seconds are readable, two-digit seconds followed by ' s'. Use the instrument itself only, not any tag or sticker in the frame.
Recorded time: 2 h 34 min
